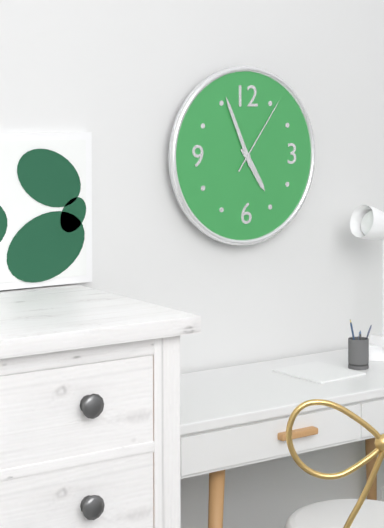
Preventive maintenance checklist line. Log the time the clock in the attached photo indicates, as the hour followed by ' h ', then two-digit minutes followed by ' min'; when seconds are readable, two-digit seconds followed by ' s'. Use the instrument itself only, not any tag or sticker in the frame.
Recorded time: 4 h 56 min 06 s
